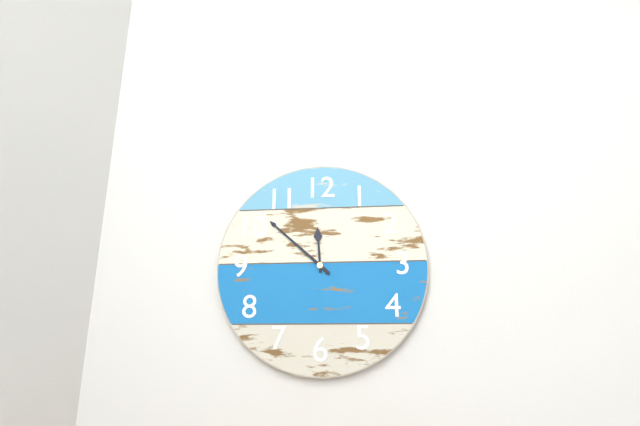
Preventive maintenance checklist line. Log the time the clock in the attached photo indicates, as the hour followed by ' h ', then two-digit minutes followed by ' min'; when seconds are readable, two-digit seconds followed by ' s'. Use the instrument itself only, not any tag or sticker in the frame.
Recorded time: 11 h 52 min
